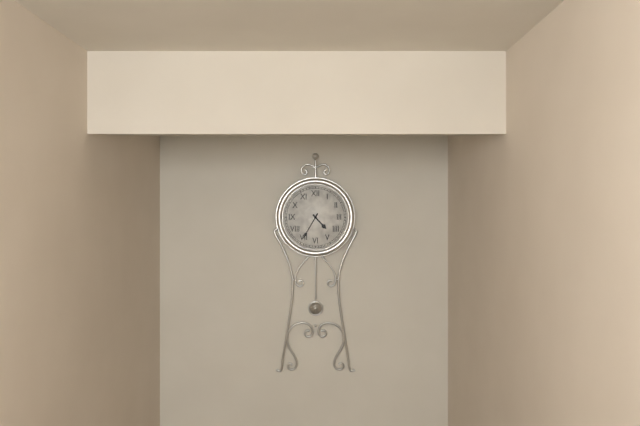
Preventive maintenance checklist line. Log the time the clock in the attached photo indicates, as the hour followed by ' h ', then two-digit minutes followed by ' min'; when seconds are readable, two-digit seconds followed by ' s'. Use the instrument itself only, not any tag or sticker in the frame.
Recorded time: 4 h 35 min
